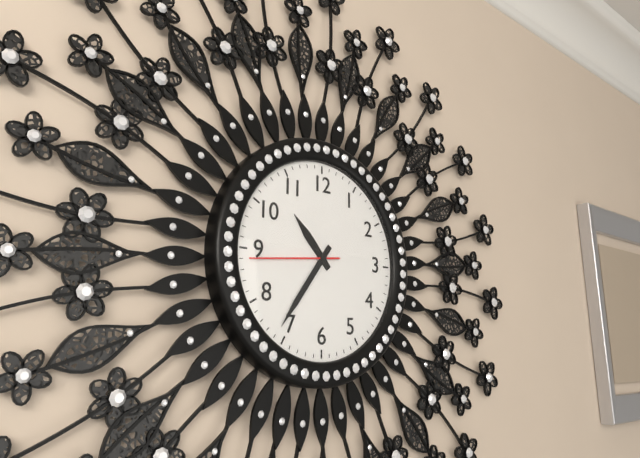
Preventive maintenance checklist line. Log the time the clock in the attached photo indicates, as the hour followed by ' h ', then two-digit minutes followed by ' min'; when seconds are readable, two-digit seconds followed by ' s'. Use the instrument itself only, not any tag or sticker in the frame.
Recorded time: 10 h 36 min 44 s
